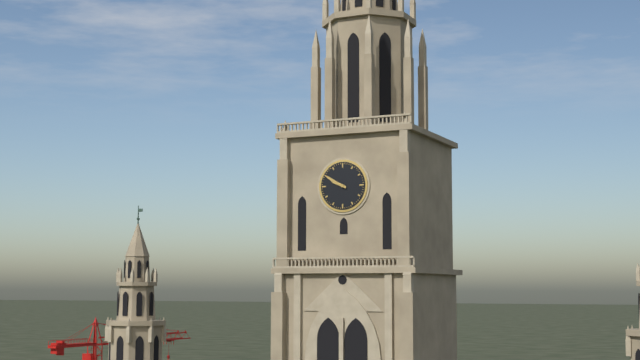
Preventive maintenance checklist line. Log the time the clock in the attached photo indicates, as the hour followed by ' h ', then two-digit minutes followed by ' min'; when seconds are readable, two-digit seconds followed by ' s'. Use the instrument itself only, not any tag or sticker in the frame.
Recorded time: 9 h 50 min
